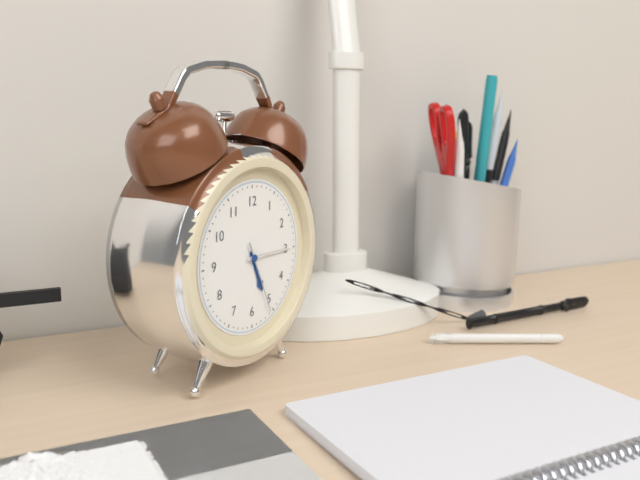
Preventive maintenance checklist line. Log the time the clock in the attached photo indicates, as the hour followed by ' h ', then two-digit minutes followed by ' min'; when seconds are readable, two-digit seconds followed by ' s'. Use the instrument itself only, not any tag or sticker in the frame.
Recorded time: 5 h 15 min 26 s
